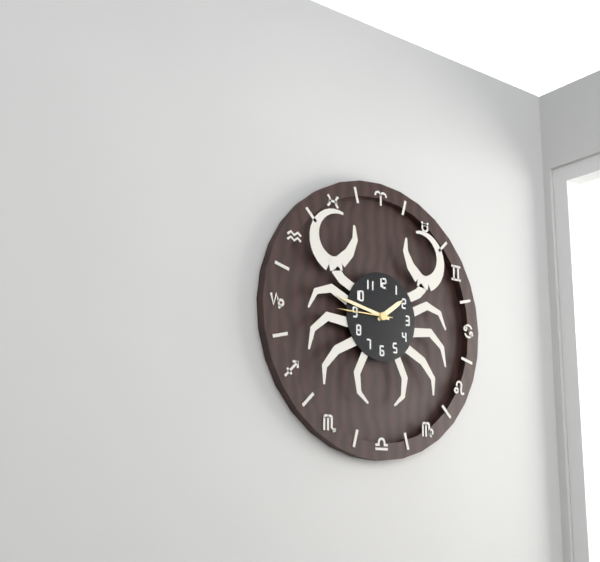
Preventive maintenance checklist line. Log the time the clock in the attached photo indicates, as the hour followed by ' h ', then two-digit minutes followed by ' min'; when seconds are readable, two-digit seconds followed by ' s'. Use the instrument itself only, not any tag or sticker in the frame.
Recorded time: 1 h 47 min 45 s
